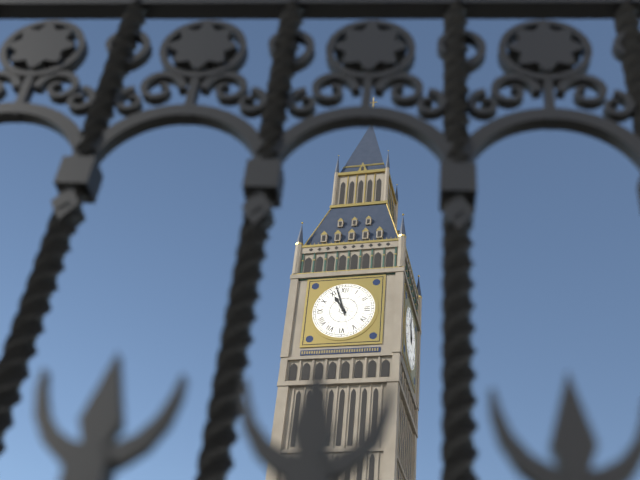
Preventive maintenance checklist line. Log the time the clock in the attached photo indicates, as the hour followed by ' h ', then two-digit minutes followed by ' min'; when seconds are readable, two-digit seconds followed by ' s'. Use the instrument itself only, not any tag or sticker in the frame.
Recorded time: 10 h 57 min
